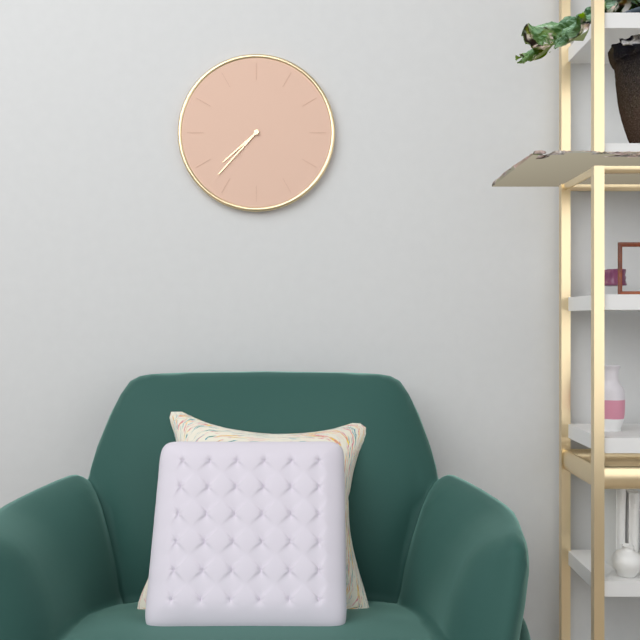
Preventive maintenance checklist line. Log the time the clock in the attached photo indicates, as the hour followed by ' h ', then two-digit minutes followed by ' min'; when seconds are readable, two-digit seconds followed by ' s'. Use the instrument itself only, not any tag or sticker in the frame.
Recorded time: 7 h 37 min
